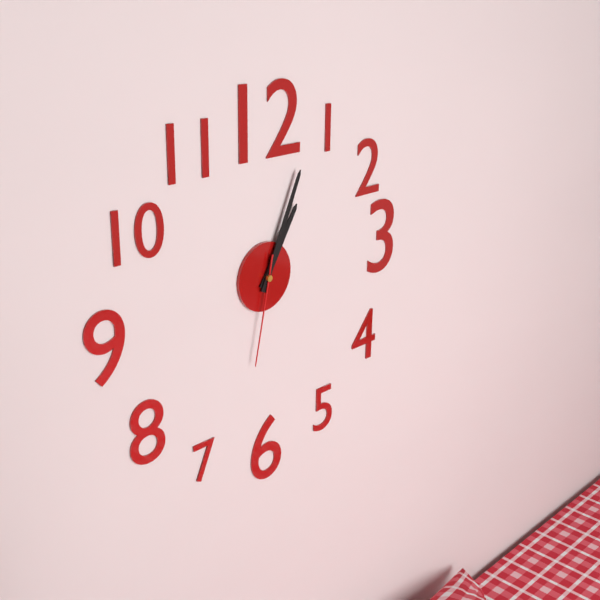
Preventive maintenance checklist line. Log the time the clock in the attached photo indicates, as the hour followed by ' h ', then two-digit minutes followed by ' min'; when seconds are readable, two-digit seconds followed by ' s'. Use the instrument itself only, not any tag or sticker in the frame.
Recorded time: 1 h 04 min 32 s
